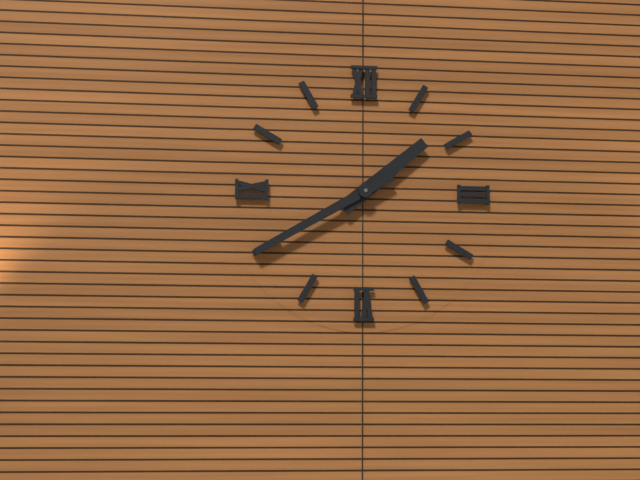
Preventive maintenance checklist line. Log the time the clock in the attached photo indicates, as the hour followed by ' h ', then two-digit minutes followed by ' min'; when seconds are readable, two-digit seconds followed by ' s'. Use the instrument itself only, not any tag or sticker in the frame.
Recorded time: 1 h 40 min
